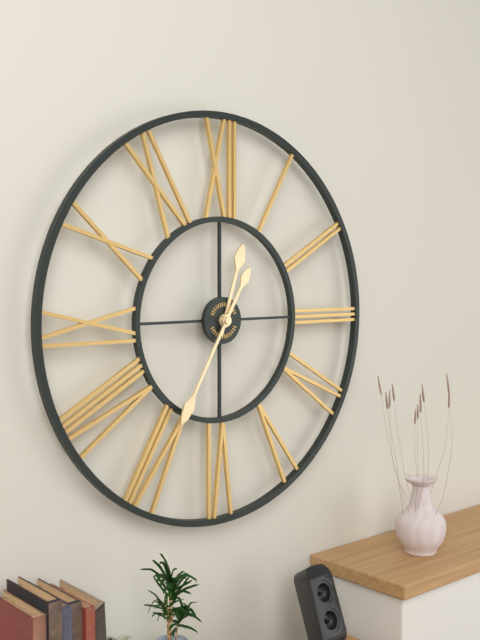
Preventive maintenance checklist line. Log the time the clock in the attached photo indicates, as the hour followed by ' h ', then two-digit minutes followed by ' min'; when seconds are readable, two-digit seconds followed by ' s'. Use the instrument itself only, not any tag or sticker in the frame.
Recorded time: 12 h 35 min
